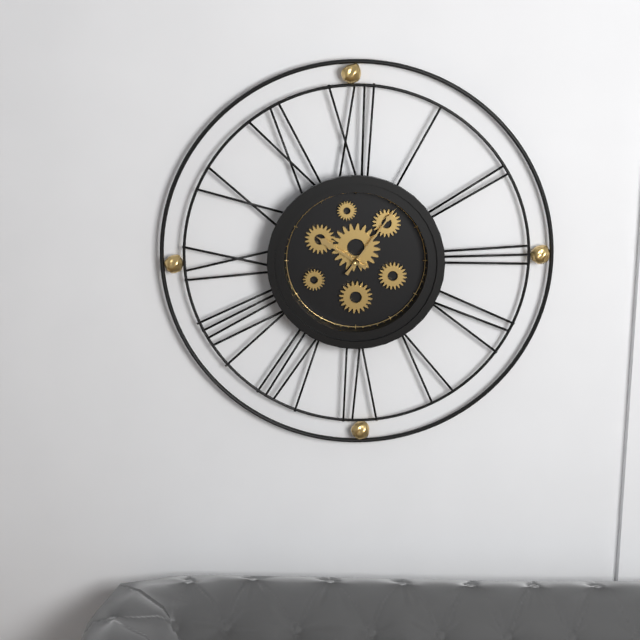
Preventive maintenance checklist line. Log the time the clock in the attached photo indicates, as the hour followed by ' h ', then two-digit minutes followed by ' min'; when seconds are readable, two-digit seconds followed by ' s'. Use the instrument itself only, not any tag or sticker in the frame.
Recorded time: 10 h 06 min
